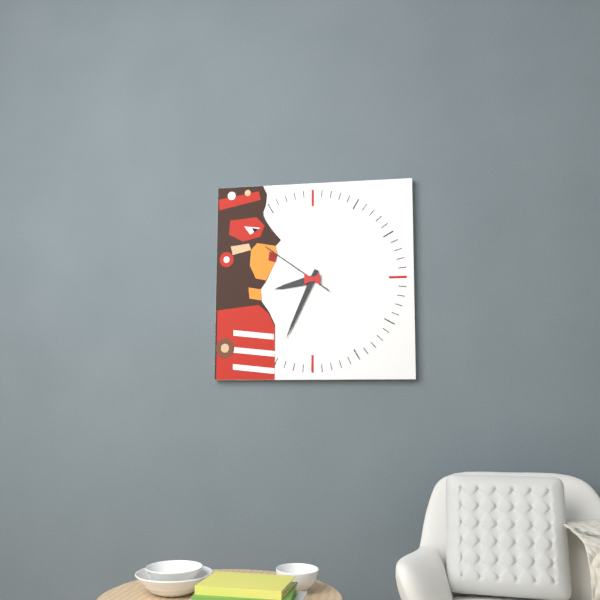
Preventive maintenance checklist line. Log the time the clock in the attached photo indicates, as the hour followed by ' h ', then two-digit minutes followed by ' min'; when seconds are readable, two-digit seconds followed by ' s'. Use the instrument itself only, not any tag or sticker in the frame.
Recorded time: 8 h 34 min 51 s
